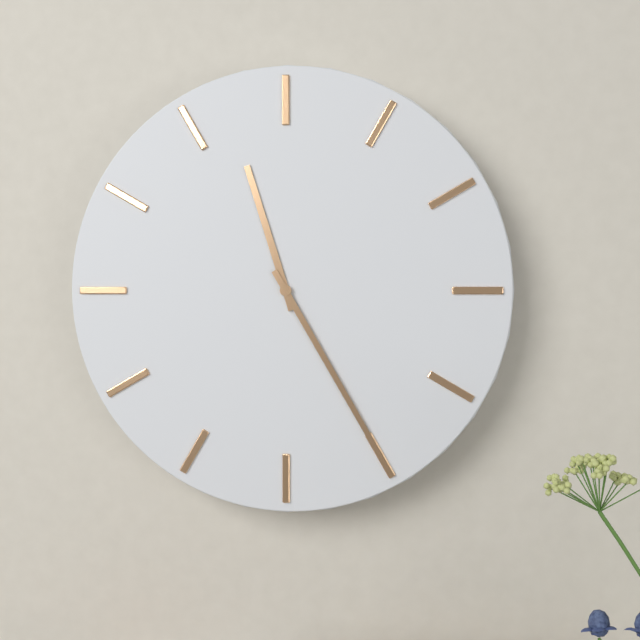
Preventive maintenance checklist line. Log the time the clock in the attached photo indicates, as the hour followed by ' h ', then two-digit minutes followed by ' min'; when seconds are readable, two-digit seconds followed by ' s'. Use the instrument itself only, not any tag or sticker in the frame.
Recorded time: 11 h 25 min
